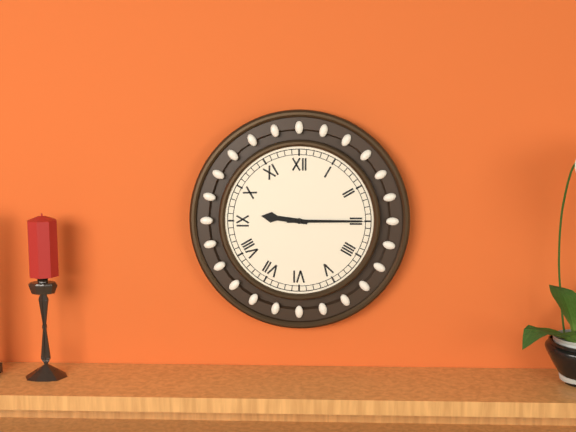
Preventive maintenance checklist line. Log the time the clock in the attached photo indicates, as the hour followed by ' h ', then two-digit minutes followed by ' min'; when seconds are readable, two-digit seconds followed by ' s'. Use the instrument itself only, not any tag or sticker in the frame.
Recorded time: 9 h 15 min
